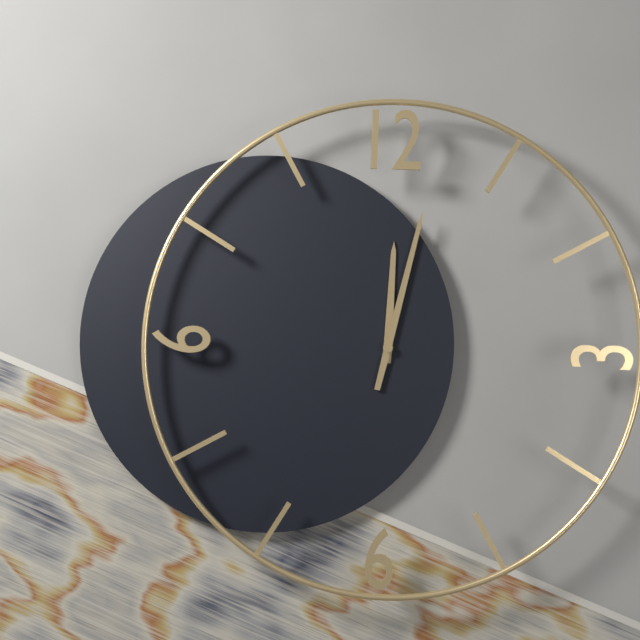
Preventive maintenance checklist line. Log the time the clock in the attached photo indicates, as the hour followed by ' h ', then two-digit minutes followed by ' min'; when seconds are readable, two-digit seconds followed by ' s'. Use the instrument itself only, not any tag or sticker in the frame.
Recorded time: 12 h 02 min
